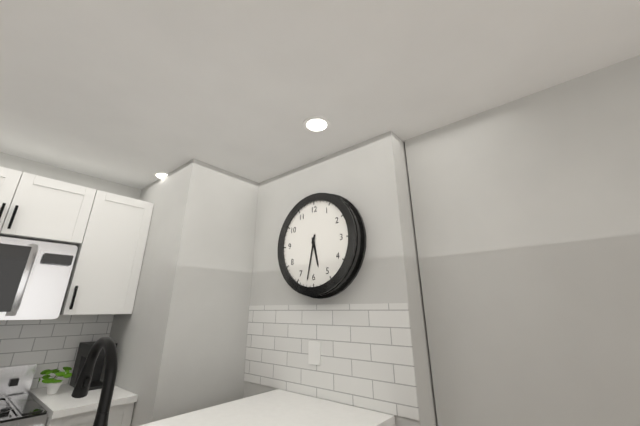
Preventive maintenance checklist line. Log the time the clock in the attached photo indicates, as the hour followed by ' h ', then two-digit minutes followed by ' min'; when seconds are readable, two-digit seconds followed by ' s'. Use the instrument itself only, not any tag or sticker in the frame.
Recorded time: 5 h 32 min
